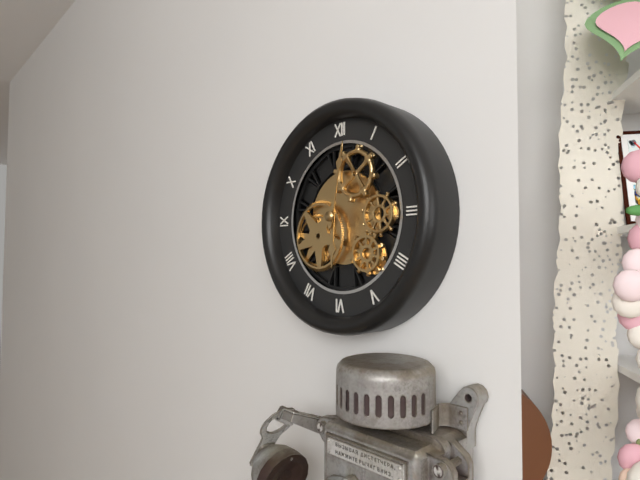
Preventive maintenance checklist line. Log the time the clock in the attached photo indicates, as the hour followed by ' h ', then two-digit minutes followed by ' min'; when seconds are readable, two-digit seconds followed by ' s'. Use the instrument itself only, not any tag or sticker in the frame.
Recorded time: 6 h 02 min
